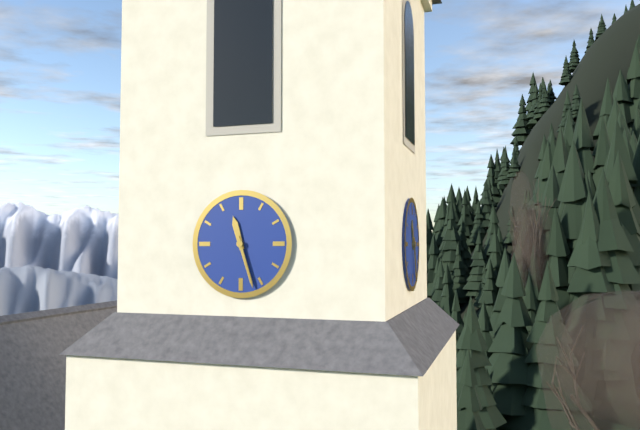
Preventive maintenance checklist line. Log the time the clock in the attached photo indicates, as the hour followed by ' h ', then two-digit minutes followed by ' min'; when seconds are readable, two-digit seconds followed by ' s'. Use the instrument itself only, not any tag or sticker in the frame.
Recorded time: 11 h 27 min
